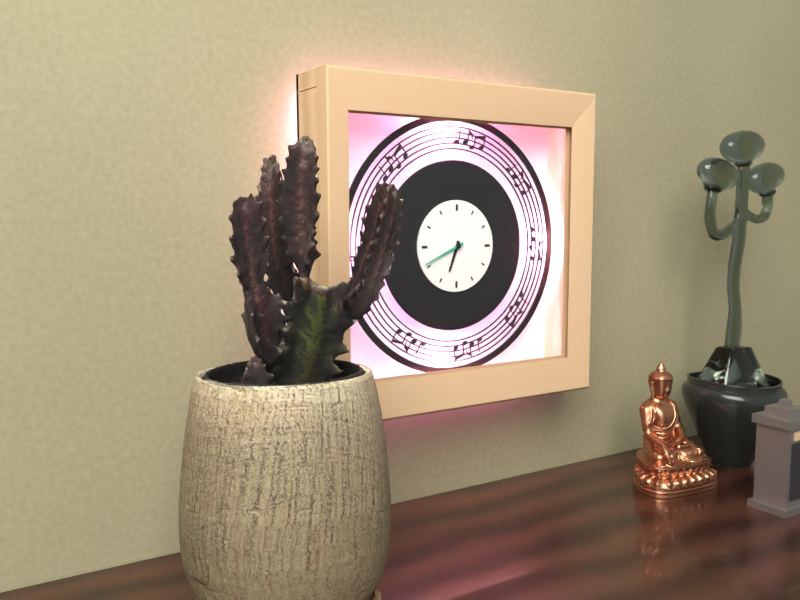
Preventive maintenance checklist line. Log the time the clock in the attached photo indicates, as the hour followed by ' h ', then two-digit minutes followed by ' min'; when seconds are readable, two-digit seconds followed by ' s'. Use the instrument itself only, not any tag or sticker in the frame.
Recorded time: 6 h 41 min
